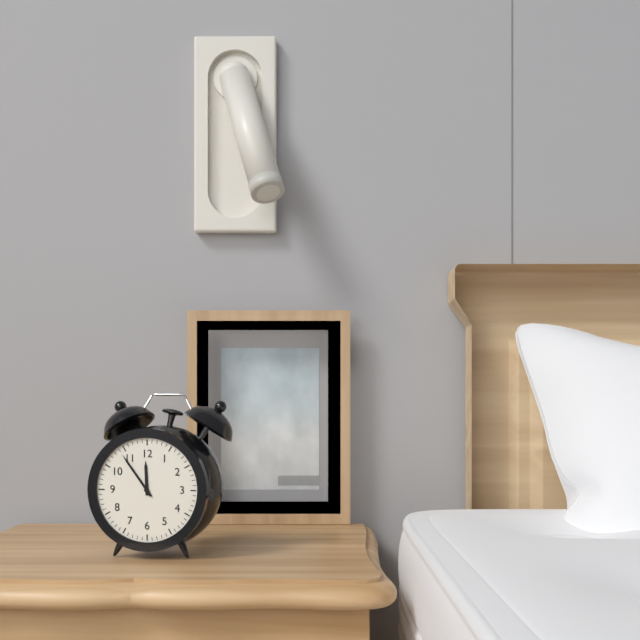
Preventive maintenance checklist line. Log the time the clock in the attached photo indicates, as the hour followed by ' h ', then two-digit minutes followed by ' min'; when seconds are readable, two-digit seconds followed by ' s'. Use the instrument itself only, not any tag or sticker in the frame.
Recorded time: 11 h 54 min
